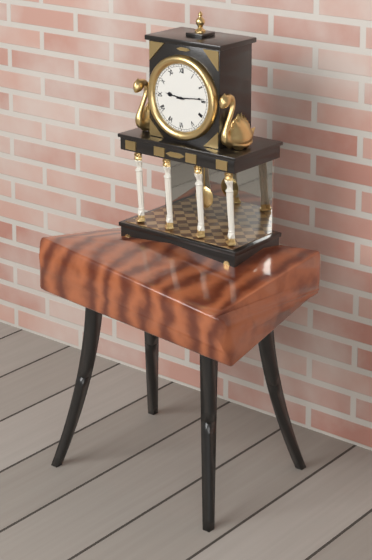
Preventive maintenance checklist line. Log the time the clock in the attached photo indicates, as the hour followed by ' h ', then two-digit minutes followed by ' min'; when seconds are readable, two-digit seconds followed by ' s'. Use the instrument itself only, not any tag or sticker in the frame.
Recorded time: 9 h 14 min
